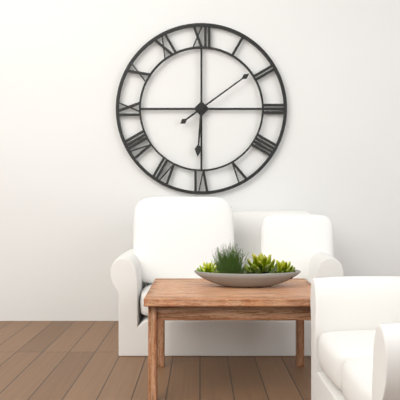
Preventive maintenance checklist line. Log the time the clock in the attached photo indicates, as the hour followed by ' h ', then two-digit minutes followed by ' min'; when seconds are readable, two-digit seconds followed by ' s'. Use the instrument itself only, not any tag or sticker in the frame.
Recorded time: 6 h 09 min
